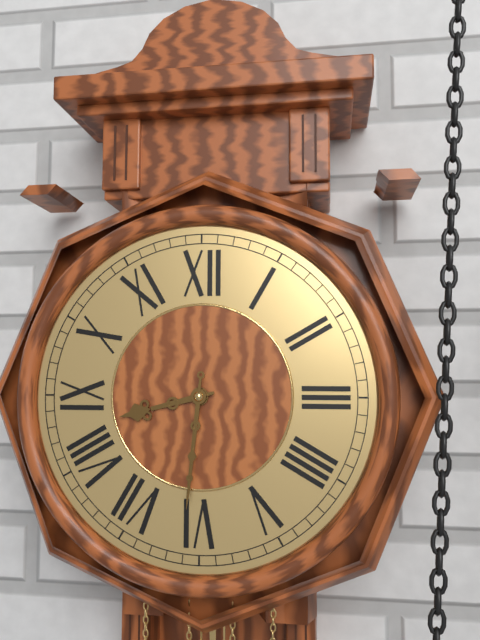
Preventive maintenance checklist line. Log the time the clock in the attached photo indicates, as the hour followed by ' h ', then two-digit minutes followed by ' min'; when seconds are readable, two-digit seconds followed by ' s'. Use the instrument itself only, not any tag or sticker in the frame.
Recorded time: 8 h 31 min
